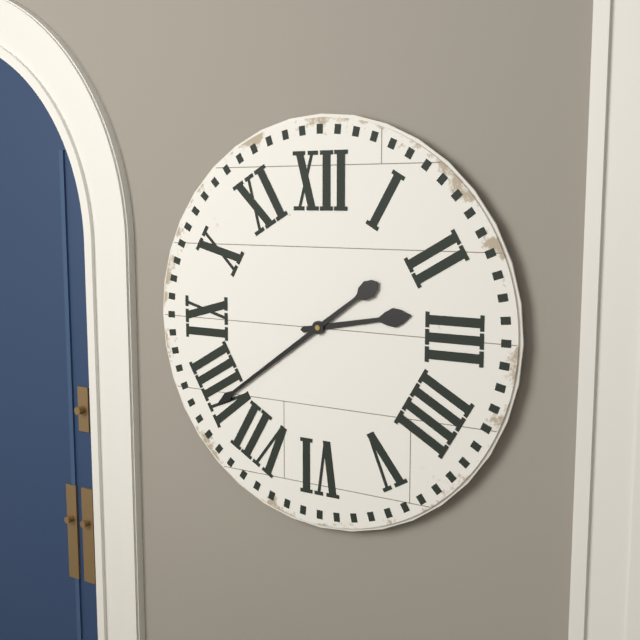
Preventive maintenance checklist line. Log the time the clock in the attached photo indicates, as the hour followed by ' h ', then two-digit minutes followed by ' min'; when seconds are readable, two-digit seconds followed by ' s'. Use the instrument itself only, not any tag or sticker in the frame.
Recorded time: 2 h 39 min
